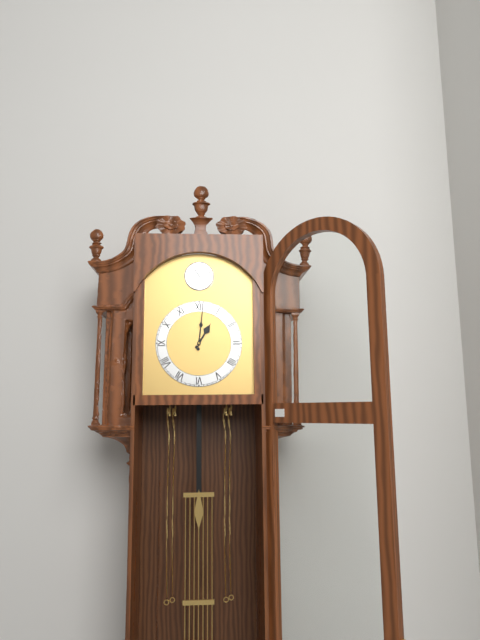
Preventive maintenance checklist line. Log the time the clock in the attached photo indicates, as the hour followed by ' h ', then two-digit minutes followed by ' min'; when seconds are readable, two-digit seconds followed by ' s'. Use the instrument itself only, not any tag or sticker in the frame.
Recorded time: 1 h 01 min
